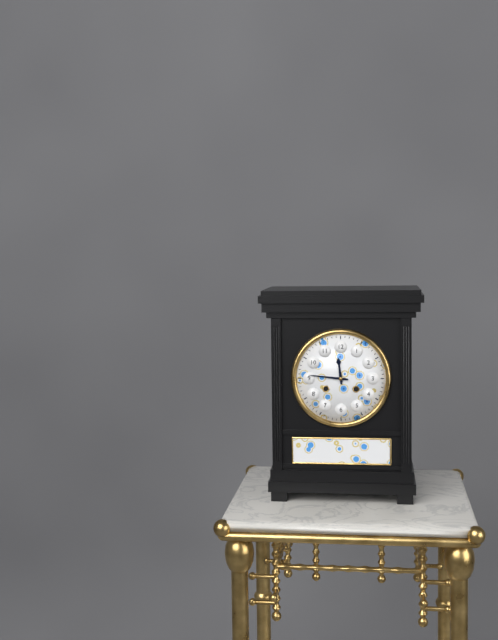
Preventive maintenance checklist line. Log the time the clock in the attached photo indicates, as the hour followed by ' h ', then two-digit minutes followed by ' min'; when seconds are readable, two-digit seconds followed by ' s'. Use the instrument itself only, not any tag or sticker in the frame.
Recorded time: 11 h 46 min
